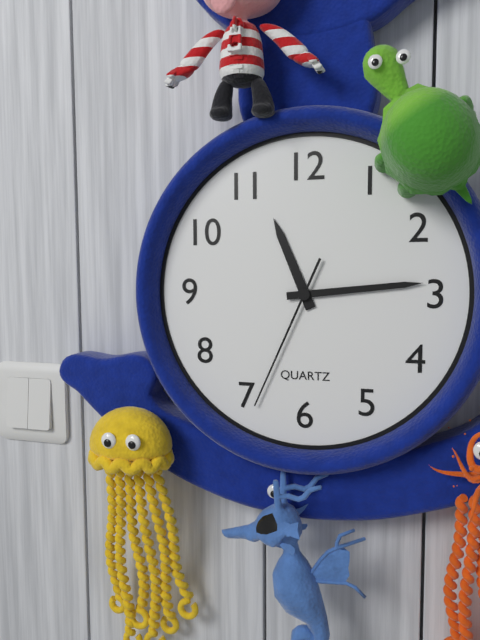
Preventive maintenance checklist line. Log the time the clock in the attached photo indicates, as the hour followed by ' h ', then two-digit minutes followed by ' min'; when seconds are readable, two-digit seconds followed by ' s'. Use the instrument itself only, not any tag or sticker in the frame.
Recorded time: 11 h 14 min 34 s
